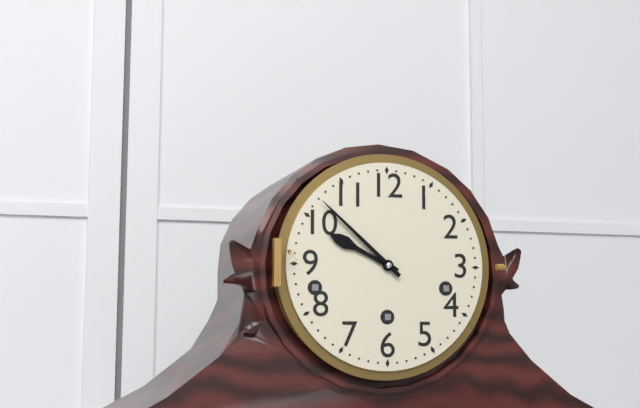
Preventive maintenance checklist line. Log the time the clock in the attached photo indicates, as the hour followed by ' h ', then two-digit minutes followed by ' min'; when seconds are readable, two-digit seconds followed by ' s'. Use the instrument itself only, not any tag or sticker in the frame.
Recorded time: 9 h 52 min
